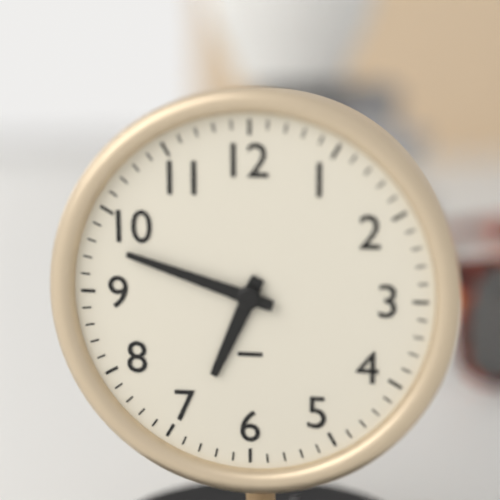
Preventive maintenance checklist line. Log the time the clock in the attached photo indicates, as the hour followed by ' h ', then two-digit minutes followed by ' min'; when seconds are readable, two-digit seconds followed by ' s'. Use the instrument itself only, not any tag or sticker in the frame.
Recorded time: 6 h 48 min
